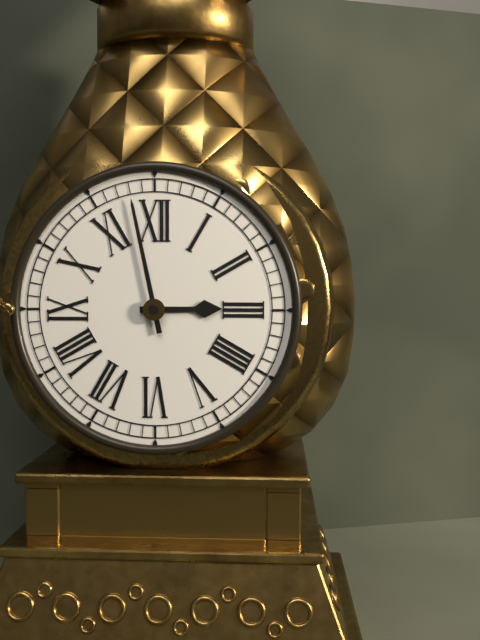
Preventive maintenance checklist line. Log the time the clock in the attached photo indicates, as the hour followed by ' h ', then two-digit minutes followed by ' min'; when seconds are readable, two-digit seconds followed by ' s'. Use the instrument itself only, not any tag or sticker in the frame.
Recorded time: 2 h 58 min
